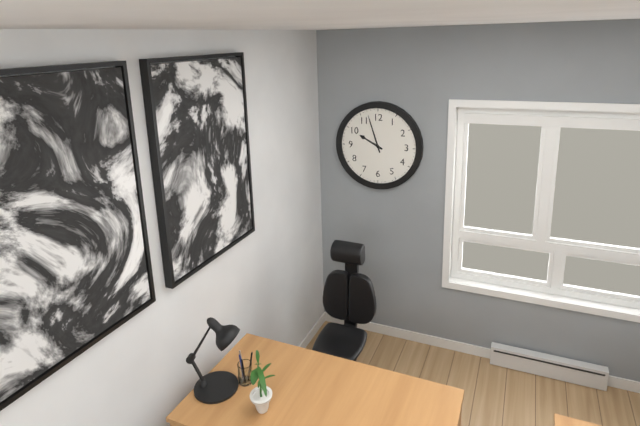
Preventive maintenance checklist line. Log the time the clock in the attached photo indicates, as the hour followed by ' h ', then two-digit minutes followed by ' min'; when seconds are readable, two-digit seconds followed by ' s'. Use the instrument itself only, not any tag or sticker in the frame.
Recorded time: 9 h 57 min
